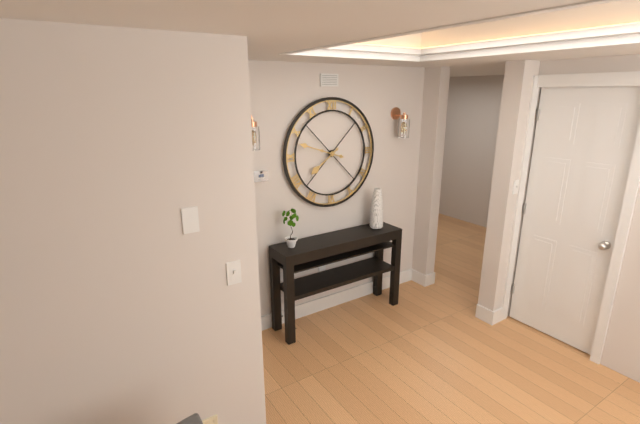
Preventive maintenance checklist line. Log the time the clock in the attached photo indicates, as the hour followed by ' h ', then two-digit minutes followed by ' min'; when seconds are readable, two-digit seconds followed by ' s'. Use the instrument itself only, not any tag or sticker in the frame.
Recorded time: 7 h 48 min
